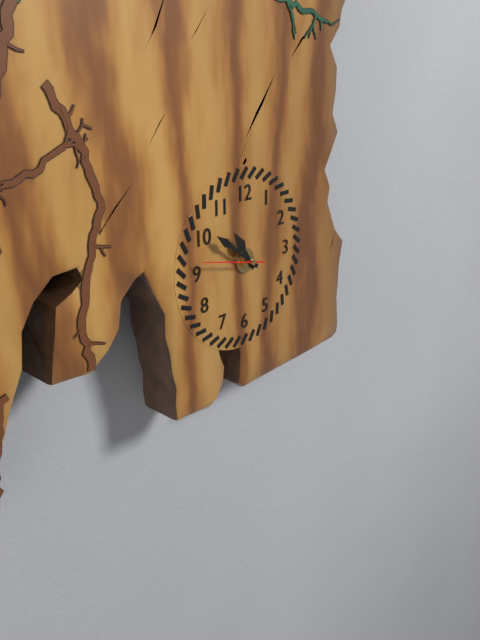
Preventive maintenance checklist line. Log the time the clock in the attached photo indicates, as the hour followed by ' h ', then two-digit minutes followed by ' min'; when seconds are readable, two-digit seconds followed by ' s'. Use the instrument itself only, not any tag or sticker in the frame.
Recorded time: 10 h 51 min 47 s
